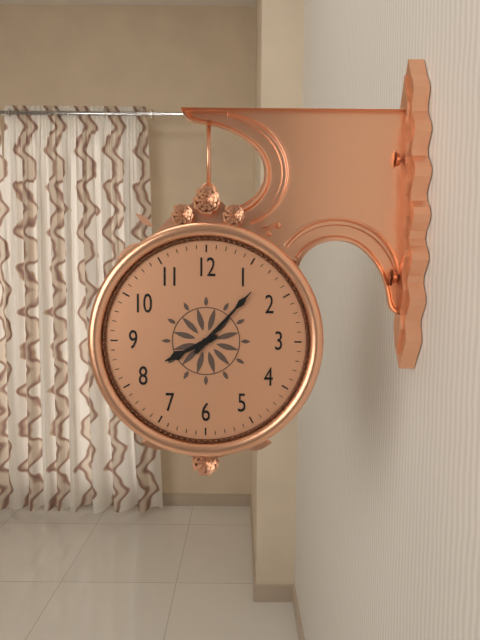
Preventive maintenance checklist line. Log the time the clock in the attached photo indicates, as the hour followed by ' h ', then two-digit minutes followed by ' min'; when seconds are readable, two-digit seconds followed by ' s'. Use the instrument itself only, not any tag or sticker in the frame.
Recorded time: 8 h 07 min
